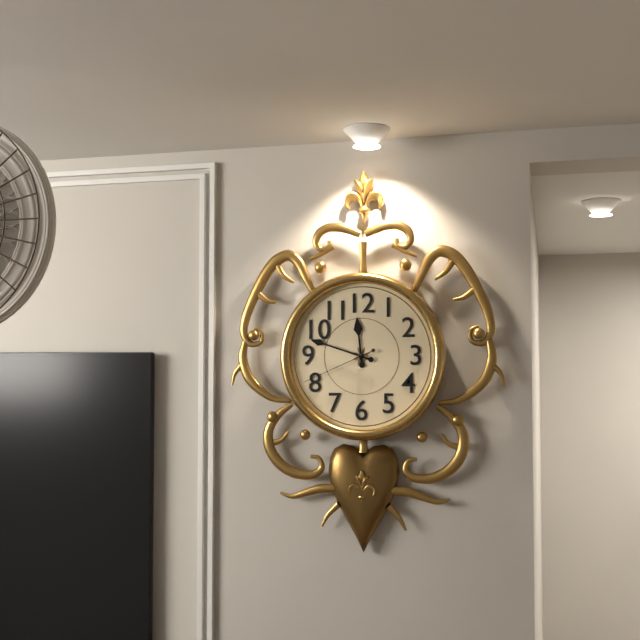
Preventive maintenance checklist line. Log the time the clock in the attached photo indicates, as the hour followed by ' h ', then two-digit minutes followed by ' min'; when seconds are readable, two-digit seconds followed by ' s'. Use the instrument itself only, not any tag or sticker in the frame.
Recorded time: 11 h 48 min 41 s
